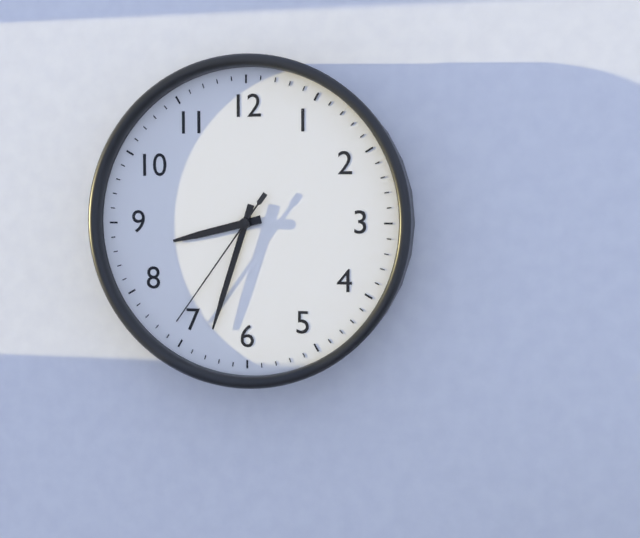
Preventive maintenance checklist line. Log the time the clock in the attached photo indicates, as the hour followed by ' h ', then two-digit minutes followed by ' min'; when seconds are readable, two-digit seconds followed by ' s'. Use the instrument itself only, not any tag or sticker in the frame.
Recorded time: 8 h 33 min 36 s
